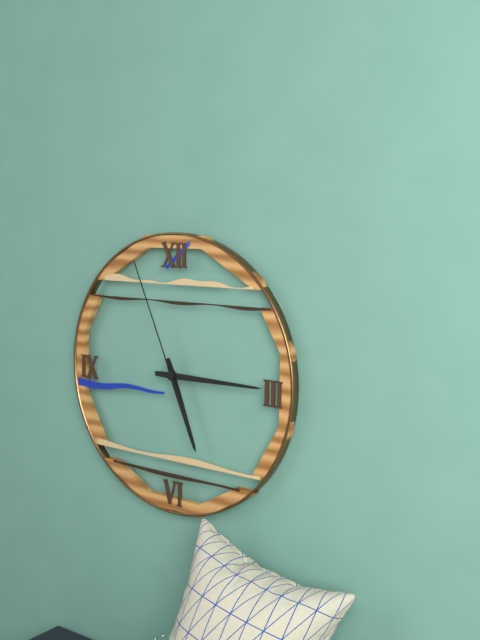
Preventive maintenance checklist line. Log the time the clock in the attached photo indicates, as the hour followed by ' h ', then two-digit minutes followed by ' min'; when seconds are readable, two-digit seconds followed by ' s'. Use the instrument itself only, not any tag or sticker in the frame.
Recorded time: 5 h 15 min 56 s
